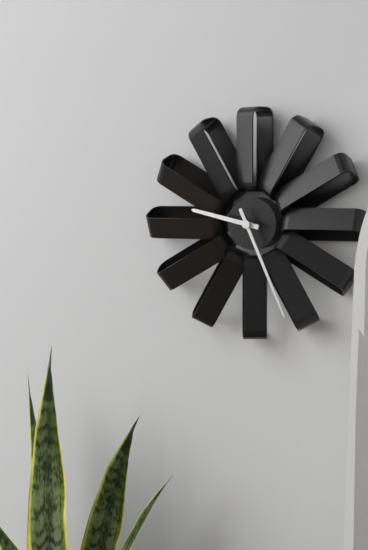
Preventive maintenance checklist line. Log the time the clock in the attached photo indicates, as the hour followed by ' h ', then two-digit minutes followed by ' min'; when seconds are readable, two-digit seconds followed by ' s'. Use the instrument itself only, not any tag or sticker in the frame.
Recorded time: 9 h 26 min
